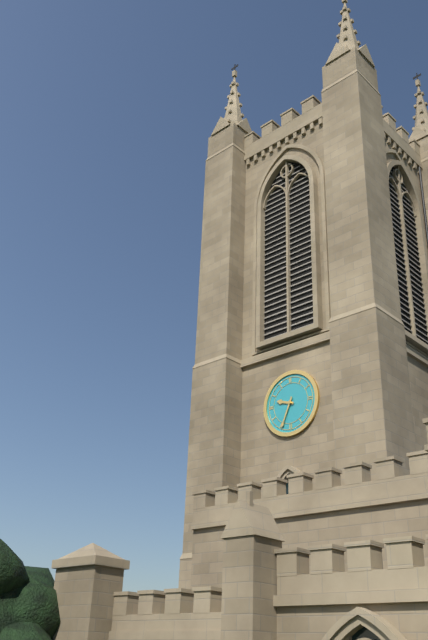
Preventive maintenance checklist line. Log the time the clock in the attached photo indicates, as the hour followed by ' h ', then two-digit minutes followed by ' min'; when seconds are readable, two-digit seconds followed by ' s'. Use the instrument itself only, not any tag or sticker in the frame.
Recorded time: 9 h 34 min
